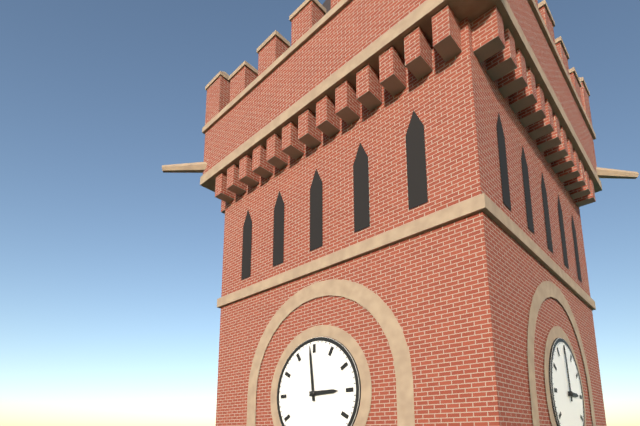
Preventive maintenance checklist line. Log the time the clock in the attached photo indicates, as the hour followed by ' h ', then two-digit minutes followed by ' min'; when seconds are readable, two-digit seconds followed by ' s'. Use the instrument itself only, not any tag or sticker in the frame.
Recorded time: 2 h 59 min
